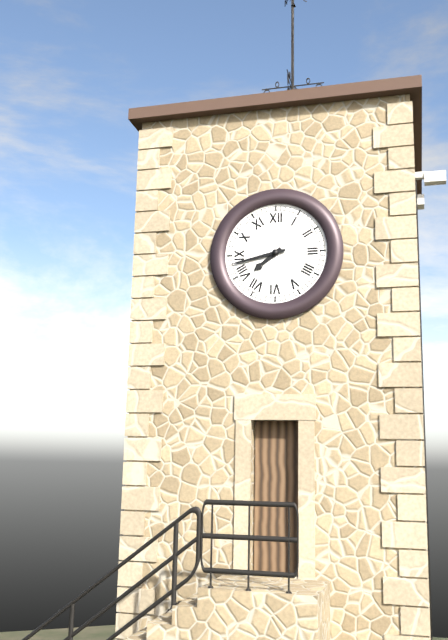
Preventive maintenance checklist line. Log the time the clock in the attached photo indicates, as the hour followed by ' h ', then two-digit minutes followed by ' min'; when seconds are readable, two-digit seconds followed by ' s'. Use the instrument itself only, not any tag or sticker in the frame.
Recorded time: 7 h 43 min
